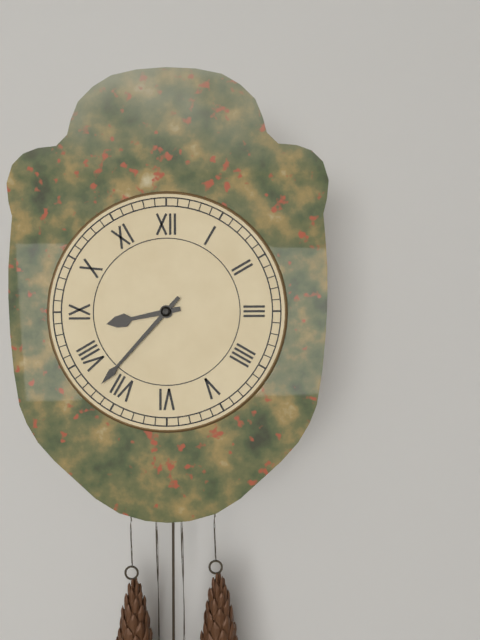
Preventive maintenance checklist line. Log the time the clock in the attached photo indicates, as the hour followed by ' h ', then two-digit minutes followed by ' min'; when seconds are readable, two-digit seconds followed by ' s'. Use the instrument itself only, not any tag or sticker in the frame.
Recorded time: 8 h 37 min
